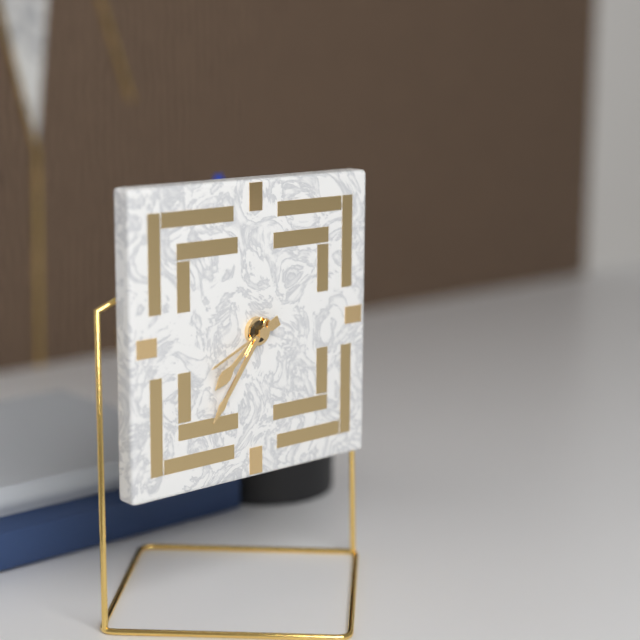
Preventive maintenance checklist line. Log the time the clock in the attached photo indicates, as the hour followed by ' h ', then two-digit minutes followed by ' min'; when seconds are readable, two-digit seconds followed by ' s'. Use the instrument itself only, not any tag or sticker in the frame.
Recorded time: 7 h 36 min 41 s
